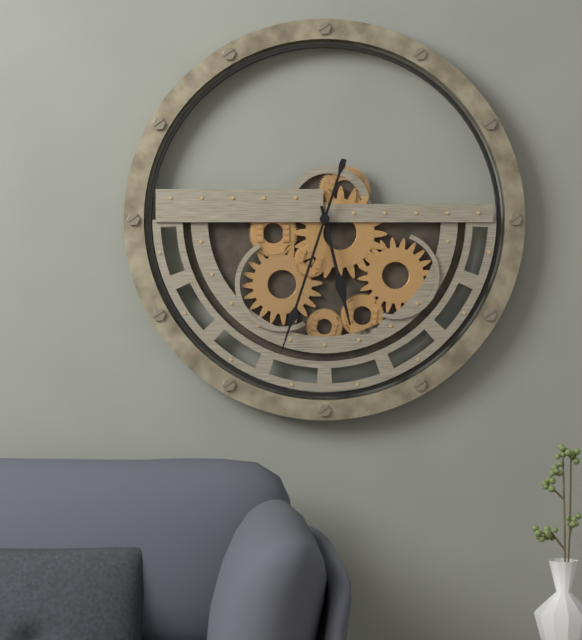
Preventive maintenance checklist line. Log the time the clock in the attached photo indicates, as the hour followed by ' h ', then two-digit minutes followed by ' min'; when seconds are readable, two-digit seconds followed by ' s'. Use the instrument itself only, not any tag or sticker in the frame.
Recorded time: 5 h 33 min
